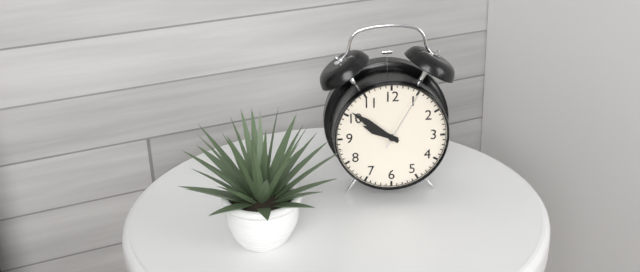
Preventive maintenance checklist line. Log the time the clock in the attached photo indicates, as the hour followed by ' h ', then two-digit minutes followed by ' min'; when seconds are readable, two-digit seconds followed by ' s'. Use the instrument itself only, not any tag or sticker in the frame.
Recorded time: 9 h 51 min 05 s
